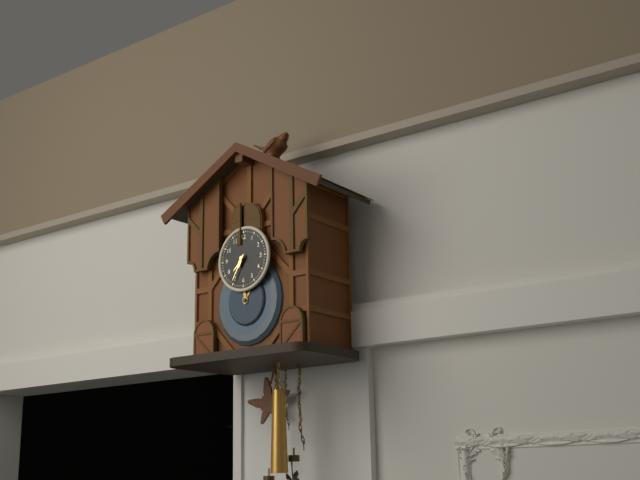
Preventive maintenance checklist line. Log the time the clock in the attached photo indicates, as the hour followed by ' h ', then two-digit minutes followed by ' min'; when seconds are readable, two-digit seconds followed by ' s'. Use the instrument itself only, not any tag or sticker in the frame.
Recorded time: 7 h 35 min
